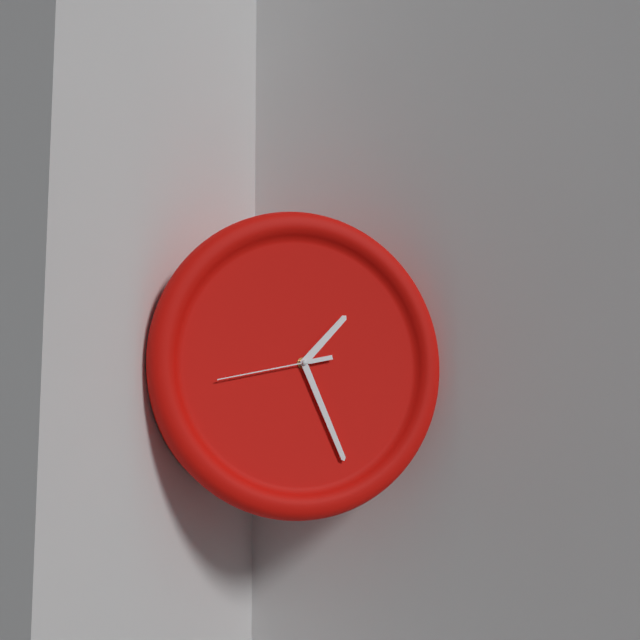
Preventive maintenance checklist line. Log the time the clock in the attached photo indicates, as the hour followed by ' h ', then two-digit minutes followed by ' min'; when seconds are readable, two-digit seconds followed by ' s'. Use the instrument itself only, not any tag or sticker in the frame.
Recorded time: 1 h 26 min 43 s
